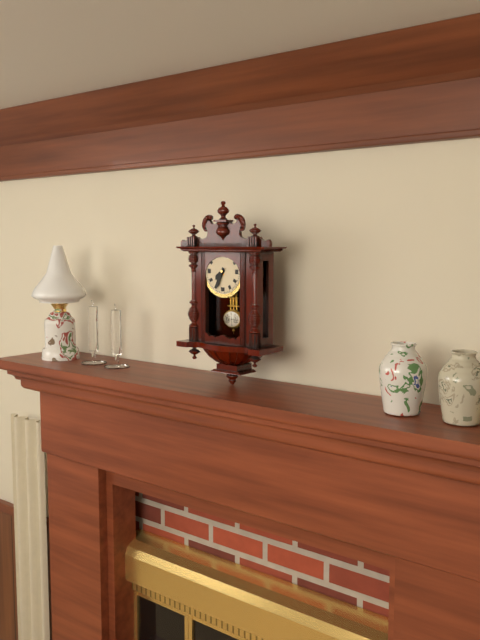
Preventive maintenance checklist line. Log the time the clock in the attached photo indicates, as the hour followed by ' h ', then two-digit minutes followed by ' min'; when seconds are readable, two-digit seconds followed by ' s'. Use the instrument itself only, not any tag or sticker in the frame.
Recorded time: 7 h 34 min
